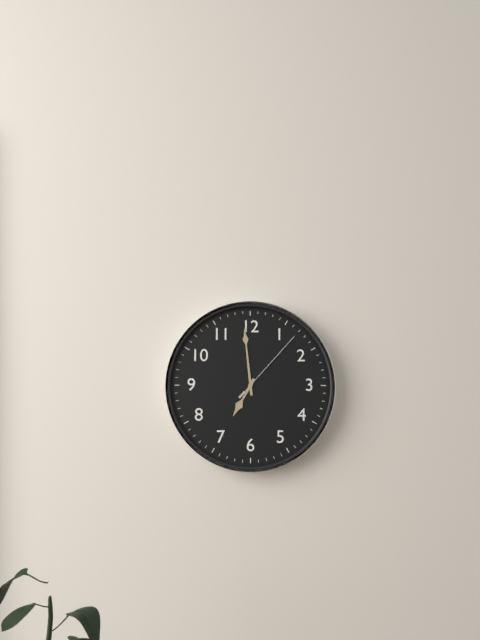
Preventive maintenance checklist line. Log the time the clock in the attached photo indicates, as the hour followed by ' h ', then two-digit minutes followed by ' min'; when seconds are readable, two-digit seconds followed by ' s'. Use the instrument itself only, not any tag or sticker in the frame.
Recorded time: 6 h 59 min 07 s
